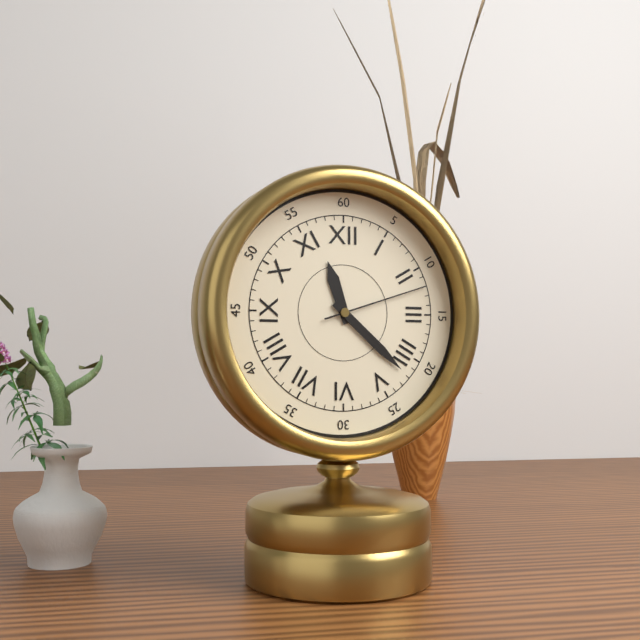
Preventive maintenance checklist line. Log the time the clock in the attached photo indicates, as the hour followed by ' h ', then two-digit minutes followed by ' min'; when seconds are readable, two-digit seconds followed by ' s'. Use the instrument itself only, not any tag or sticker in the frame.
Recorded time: 11 h 22 min 12 s
